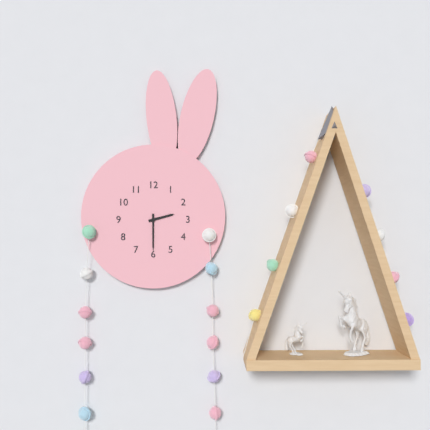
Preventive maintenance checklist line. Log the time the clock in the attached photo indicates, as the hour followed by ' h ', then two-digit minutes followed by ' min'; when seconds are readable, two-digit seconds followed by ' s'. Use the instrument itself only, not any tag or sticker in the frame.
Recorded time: 2 h 30 min
